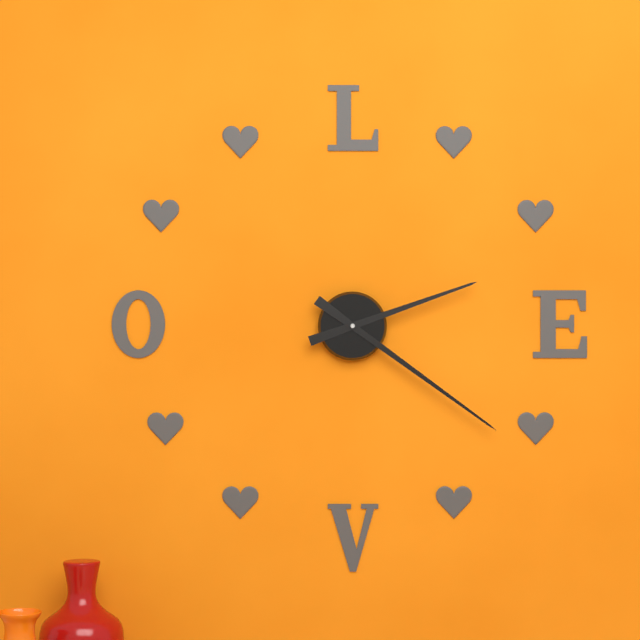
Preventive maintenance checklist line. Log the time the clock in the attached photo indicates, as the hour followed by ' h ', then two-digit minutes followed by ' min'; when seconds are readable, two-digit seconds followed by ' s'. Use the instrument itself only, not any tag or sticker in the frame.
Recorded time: 2 h 21 min
